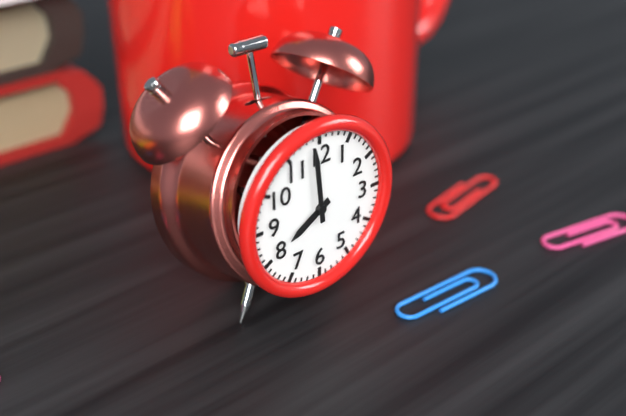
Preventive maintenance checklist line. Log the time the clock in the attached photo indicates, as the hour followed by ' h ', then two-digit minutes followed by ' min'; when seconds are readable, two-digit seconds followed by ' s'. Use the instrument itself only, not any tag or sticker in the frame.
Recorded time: 7 h 59 min
